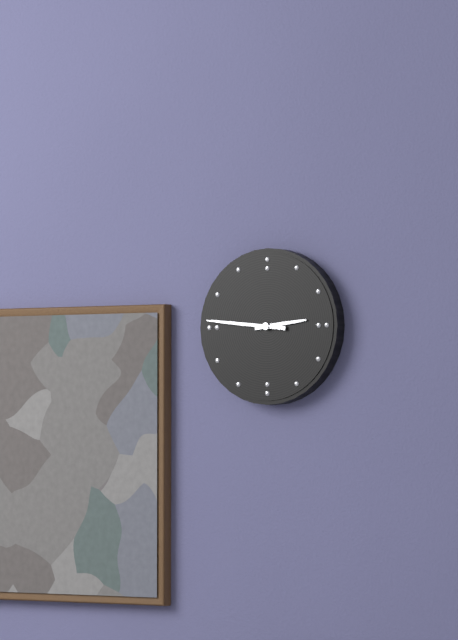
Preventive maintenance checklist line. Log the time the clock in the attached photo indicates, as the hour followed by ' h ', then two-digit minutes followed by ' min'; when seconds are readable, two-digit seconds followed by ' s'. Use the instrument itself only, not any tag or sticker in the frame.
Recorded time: 2 h 46 min
